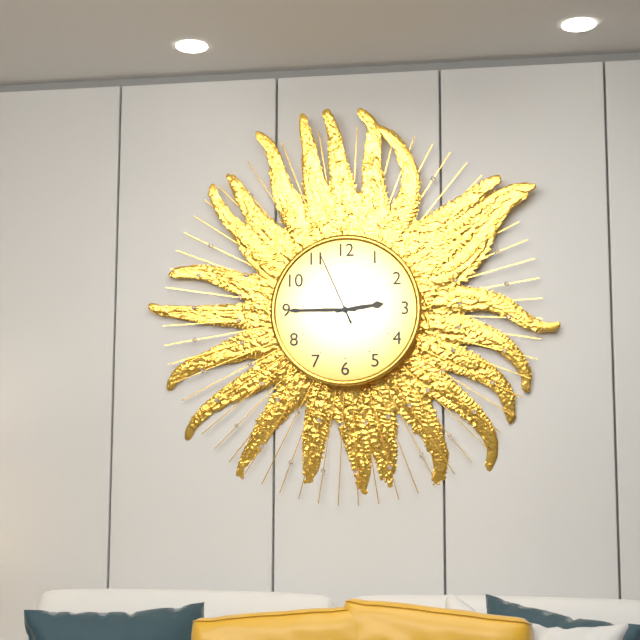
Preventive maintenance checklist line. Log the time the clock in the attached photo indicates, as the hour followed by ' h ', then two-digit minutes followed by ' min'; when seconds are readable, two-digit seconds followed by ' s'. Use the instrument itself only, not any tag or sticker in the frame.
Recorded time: 2 h 45 min 56 s
